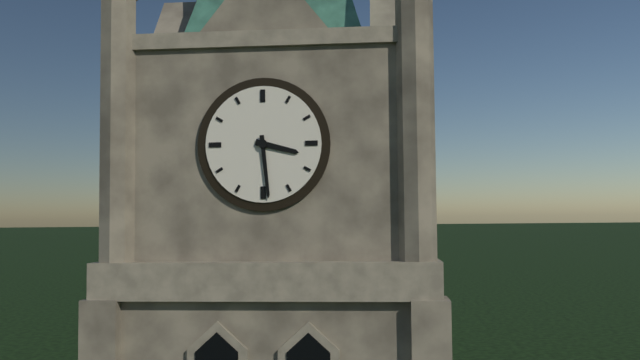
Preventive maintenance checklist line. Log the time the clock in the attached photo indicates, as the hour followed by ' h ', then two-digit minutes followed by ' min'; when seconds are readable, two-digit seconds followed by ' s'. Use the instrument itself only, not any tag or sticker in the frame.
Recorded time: 3 h 29 min
